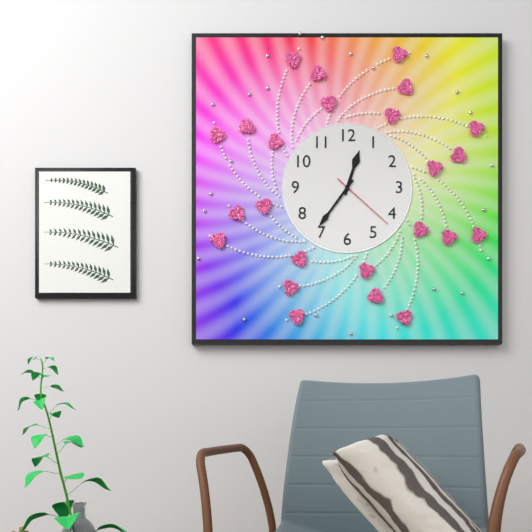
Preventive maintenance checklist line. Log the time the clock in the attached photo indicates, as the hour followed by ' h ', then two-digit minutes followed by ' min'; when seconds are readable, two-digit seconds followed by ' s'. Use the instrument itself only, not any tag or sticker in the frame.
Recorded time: 12 h 36 min 22 s
